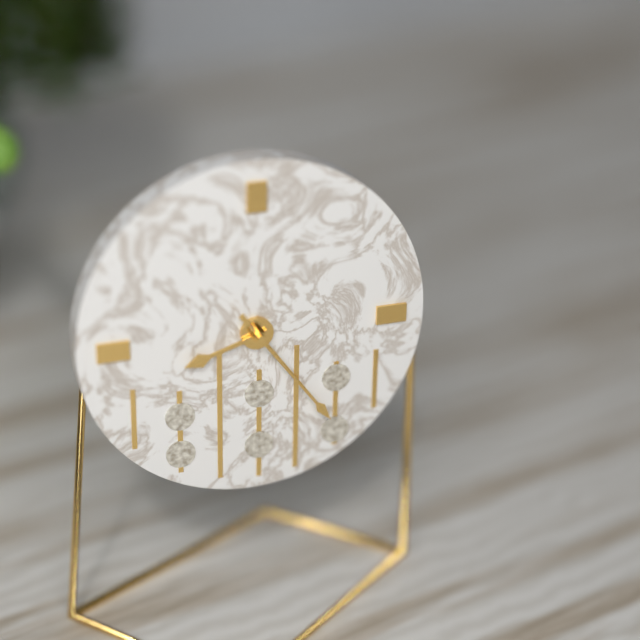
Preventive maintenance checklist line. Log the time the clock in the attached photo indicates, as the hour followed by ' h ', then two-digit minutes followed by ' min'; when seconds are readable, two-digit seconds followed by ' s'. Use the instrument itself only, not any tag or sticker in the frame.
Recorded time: 8 h 24 min 24 s
